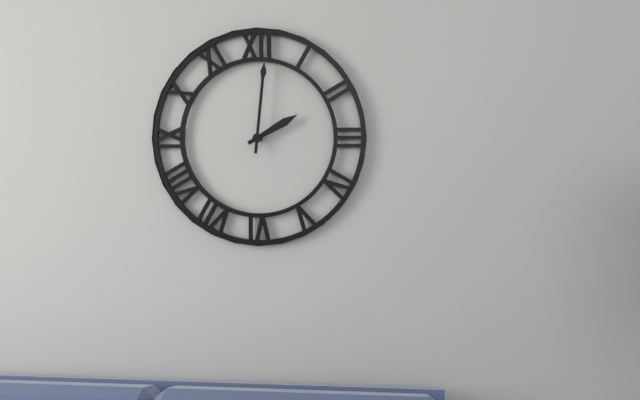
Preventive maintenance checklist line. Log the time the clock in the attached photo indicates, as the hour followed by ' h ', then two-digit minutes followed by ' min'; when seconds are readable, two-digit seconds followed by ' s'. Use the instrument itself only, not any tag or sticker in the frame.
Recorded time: 2 h 01 min
